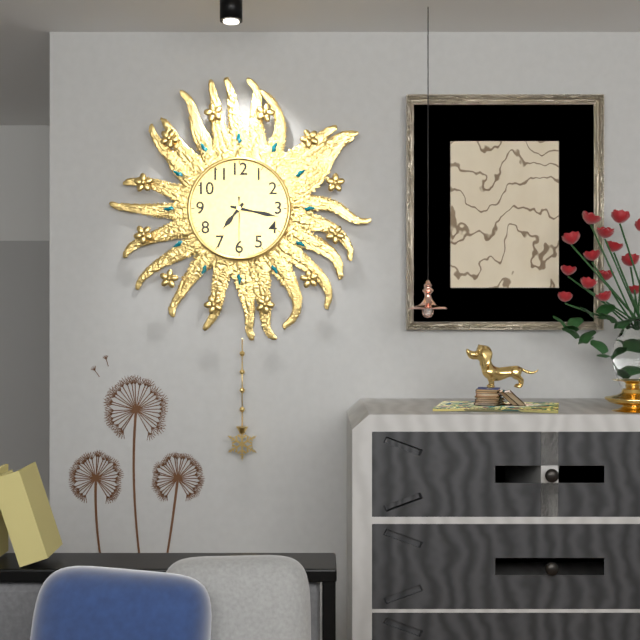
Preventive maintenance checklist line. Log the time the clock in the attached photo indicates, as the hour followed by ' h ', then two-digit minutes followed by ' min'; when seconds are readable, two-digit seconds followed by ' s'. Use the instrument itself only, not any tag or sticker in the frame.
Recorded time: 7 h 17 min 30 s
